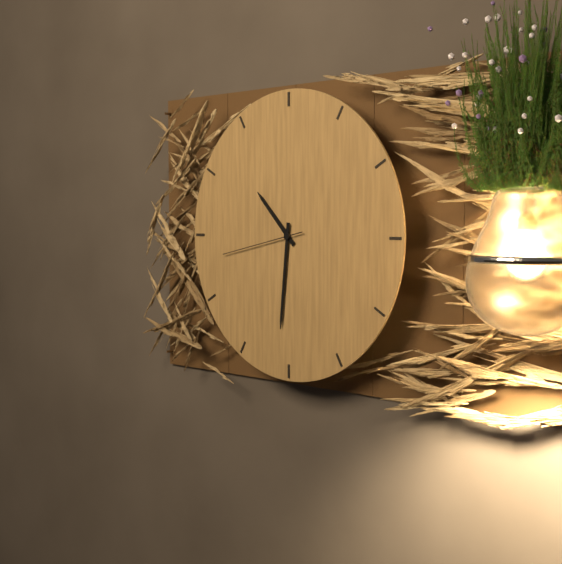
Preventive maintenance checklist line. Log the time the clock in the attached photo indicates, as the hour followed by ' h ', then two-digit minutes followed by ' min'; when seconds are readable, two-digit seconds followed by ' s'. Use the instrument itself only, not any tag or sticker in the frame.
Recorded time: 10 h 31 min 43 s
